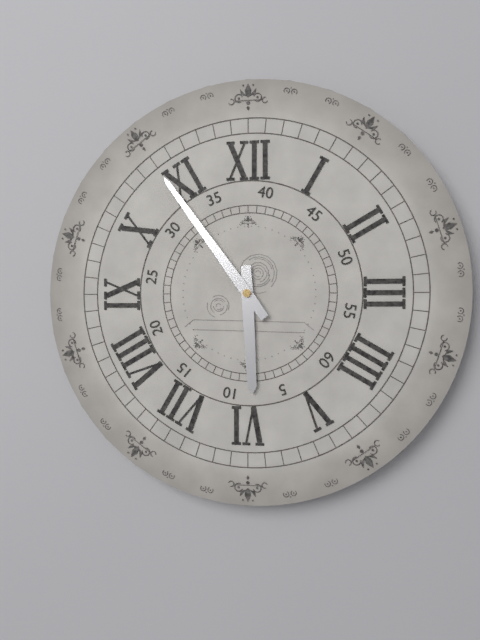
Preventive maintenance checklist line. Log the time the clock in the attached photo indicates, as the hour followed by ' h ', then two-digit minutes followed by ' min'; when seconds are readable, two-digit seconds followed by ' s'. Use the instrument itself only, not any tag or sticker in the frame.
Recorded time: 5 h 54 min
